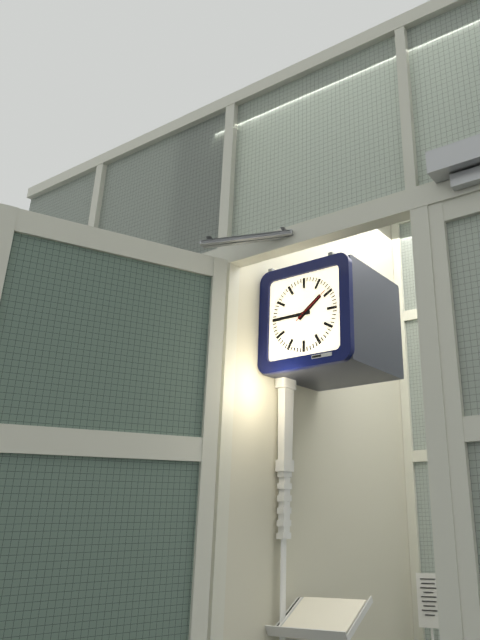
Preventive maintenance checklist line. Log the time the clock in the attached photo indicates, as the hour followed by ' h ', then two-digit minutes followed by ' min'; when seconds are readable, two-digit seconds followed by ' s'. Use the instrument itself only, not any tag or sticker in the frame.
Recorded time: 1 h 45 min
